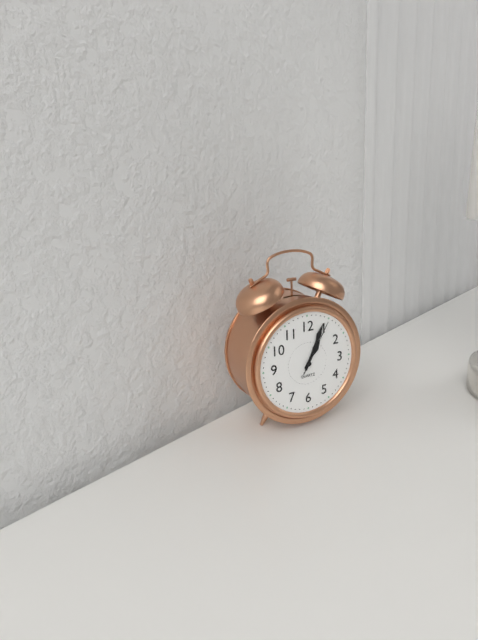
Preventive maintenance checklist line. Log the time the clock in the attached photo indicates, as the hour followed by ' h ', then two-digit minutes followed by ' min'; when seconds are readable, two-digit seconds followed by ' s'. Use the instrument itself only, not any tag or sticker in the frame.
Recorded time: 1 h 04 min 05 s
